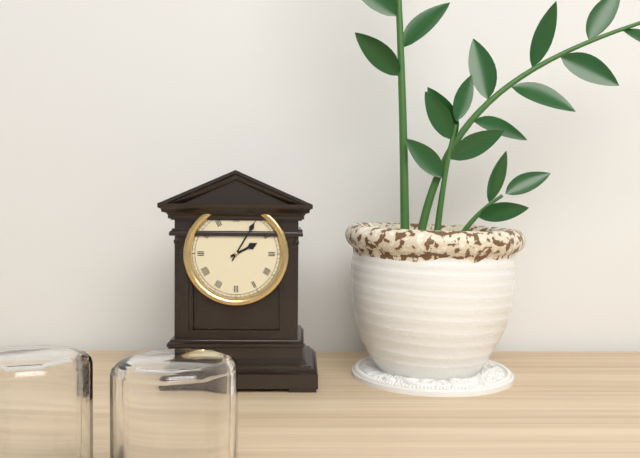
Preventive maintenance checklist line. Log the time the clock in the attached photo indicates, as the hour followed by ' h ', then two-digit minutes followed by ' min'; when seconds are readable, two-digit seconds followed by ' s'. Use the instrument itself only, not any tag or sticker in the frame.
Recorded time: 2 h 05 min
